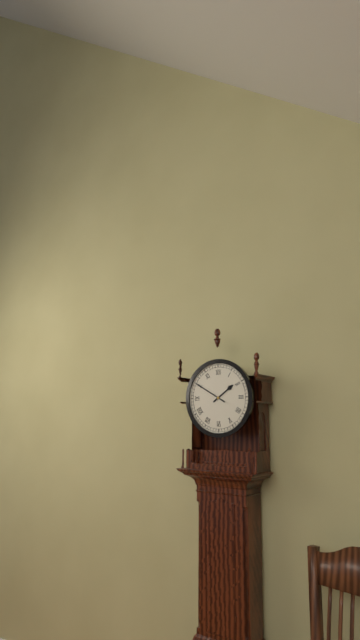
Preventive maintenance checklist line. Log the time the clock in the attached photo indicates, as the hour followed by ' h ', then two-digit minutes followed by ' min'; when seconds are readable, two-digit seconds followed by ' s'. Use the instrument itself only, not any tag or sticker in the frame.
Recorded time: 1 h 50 min
